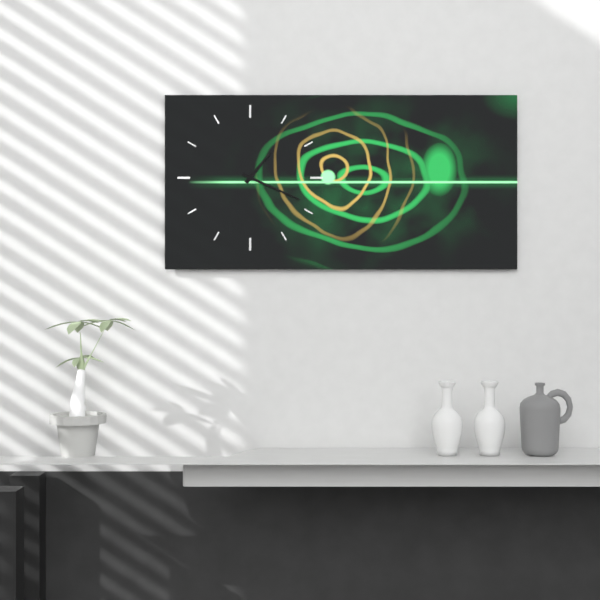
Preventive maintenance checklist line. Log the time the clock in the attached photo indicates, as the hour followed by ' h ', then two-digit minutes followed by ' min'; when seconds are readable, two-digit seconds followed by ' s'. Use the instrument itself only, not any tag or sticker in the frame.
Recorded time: 1 h 19 min
